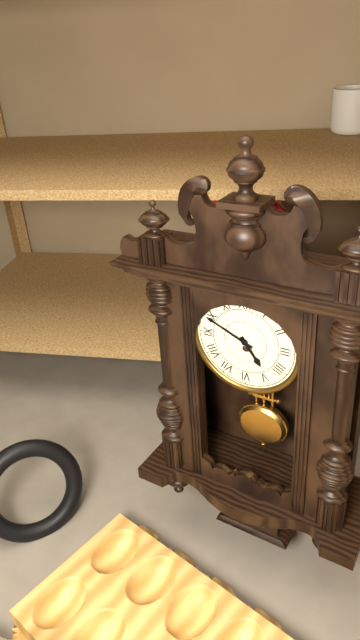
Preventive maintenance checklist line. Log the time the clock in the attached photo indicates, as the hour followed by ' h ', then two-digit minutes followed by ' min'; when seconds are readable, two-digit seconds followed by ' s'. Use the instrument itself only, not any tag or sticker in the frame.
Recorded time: 4 h 49 min
